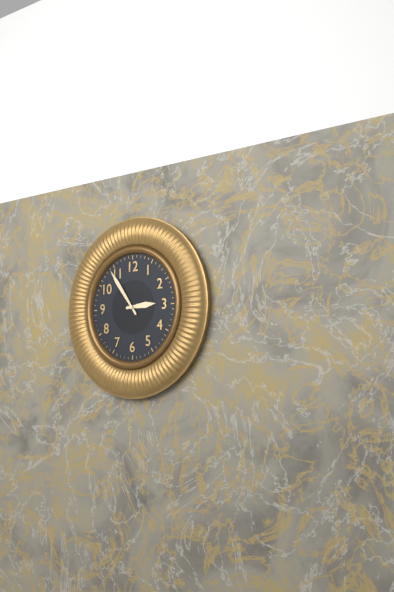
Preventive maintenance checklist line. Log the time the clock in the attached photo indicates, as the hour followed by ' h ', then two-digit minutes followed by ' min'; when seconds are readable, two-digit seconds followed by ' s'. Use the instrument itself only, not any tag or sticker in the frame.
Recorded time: 2 h 54 min
